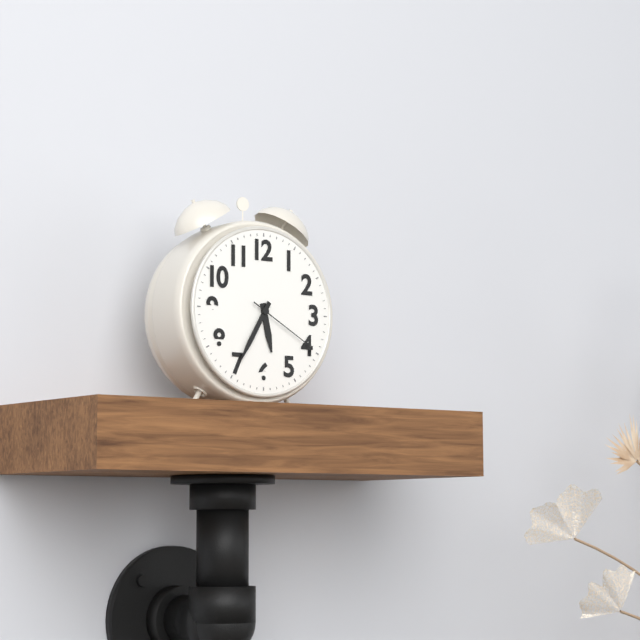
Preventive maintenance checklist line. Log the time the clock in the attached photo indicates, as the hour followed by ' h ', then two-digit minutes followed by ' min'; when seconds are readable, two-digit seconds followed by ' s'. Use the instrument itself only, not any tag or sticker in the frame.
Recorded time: 5 h 35 min 20 s
